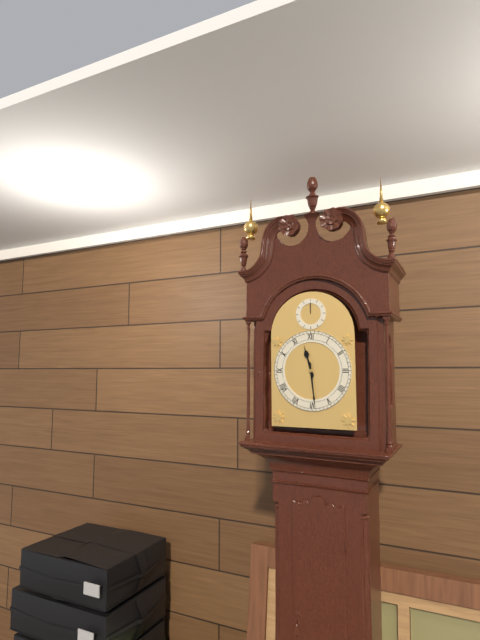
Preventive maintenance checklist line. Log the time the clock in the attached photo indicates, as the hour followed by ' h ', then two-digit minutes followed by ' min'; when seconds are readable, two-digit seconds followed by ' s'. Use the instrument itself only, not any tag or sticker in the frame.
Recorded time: 11 h 29 min
